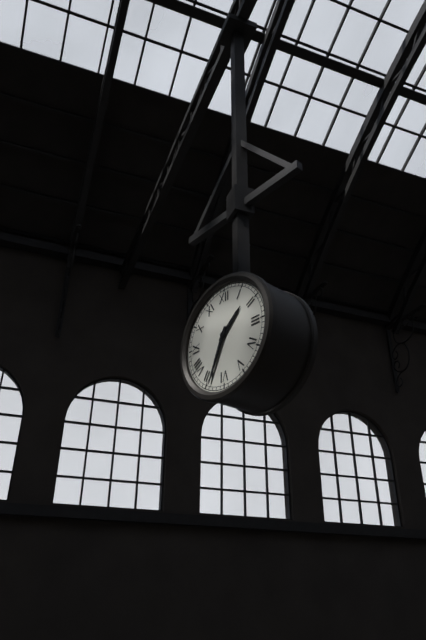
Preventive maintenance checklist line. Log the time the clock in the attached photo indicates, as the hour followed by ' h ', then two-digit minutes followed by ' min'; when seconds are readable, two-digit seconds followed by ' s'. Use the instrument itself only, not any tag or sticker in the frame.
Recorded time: 1 h 34 min
